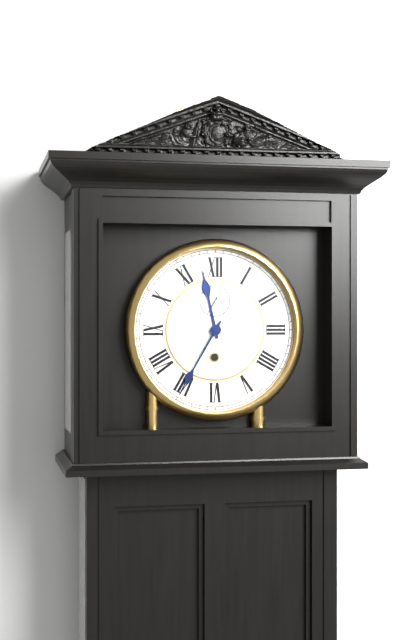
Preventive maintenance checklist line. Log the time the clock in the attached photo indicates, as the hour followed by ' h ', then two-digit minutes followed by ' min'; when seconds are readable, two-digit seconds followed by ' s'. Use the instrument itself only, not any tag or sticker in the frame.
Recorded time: 11 h 35 min
